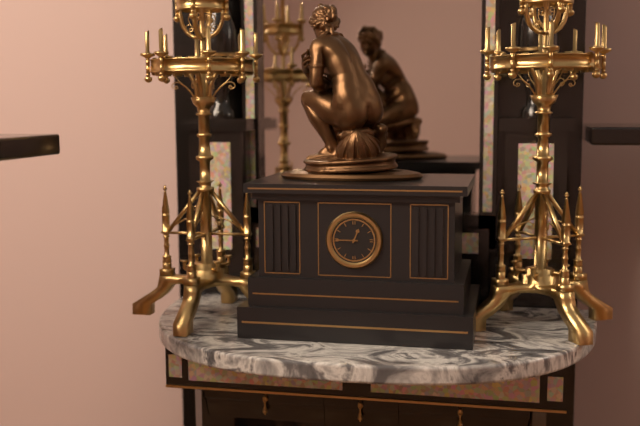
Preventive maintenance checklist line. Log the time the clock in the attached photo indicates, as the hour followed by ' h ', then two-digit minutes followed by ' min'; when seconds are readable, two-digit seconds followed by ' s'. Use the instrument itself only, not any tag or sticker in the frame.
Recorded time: 12 h 45 min
